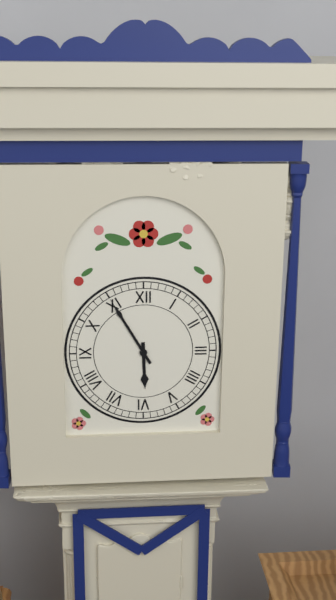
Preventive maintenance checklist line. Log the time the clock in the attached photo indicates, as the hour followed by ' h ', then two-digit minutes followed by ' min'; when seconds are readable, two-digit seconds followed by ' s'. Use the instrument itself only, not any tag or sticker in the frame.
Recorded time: 5 h 55 min
